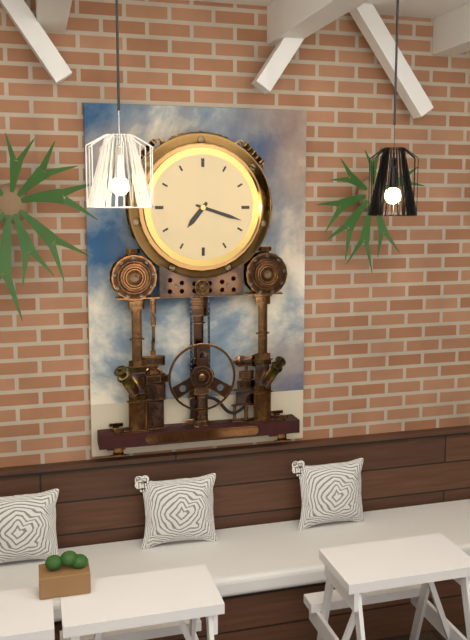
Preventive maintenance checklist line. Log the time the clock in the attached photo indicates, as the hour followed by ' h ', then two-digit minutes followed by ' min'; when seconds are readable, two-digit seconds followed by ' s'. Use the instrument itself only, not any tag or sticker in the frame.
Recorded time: 7 h 18 min
